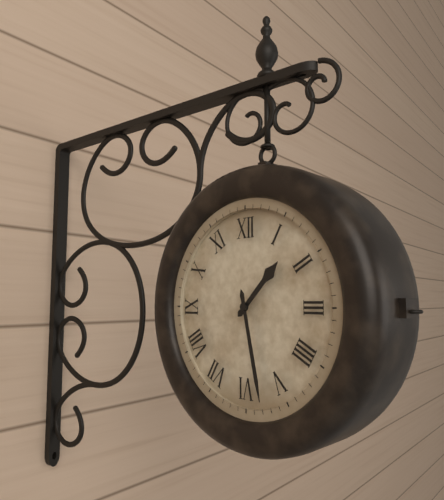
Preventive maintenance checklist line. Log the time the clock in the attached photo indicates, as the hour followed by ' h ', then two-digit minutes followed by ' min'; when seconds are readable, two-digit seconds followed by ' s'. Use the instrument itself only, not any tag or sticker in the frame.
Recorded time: 1 h 28 min
